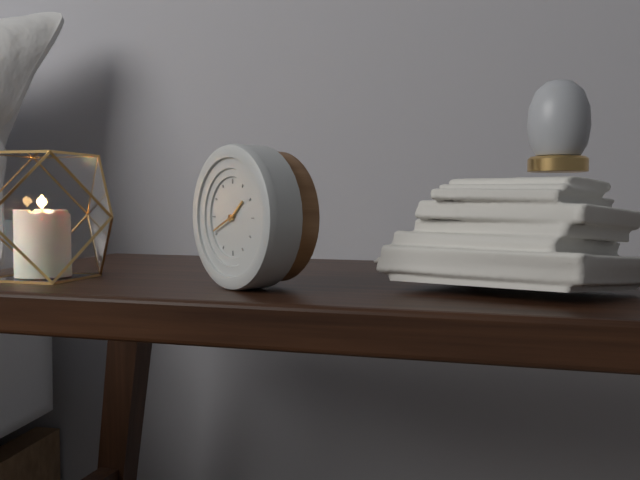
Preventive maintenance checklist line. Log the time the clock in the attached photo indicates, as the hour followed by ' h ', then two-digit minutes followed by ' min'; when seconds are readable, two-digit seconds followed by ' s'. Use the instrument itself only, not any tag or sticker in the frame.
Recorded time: 1 h 41 min
